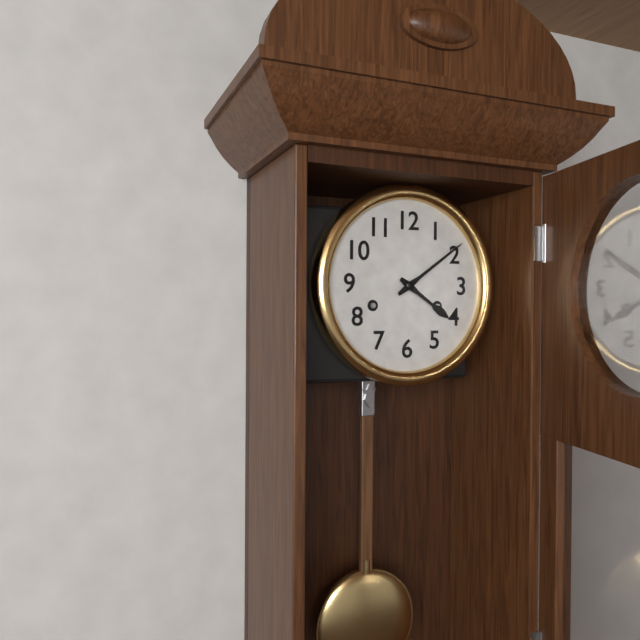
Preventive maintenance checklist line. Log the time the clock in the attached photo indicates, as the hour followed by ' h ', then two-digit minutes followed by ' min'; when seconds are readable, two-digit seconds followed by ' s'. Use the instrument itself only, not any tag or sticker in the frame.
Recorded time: 4 h 09 min
